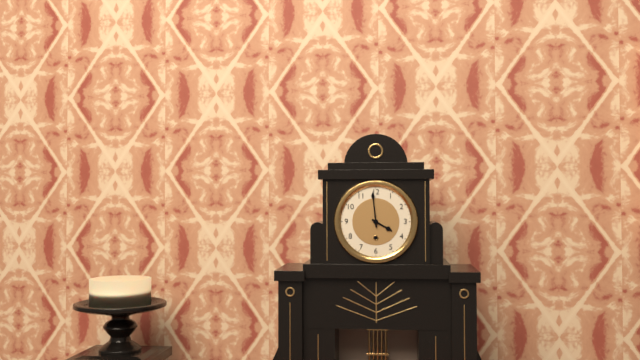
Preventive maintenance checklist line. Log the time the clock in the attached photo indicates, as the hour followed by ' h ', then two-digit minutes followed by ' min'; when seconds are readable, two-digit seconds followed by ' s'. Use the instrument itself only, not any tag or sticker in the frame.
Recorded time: 3 h 59 min
